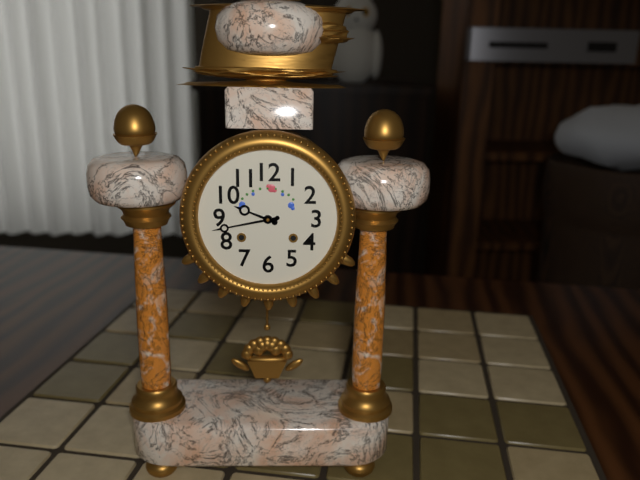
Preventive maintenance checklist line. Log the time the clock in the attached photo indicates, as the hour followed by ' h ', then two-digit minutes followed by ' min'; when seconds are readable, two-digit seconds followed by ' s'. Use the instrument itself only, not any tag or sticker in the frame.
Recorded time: 9 h 43 min
